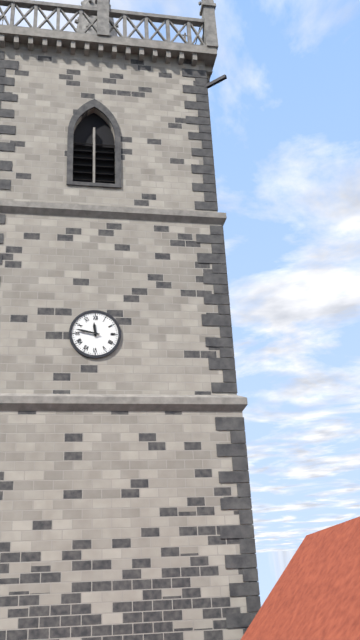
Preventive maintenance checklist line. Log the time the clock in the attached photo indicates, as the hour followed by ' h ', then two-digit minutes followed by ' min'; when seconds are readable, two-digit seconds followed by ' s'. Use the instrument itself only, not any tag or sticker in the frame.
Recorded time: 11 h 47 min
